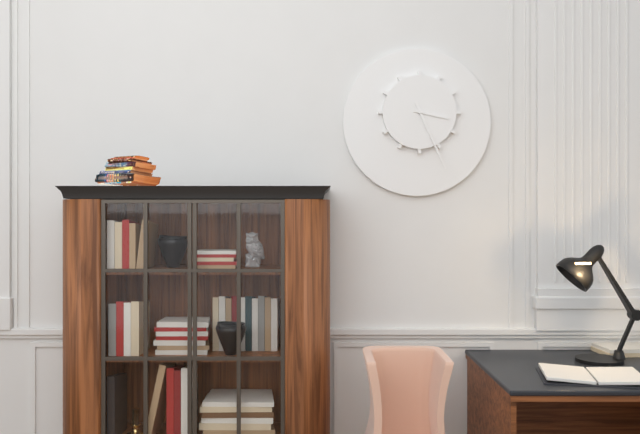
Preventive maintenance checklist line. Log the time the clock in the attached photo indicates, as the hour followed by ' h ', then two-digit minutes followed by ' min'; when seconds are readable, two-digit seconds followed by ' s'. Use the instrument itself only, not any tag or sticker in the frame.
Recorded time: 3 h 26 min
